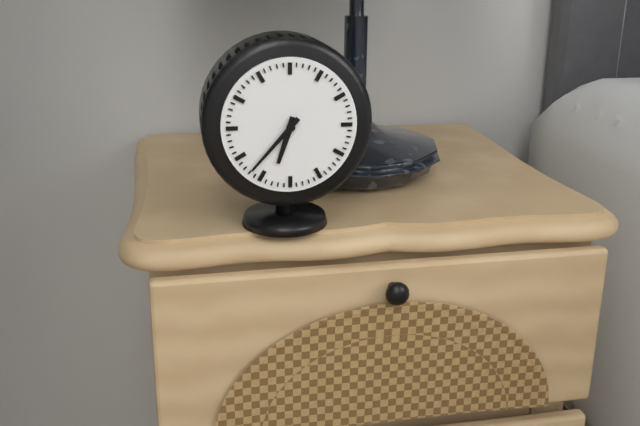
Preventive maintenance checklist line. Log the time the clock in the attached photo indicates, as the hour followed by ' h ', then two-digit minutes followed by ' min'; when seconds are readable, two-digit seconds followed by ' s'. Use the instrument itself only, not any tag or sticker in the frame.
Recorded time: 6 h 37 min
